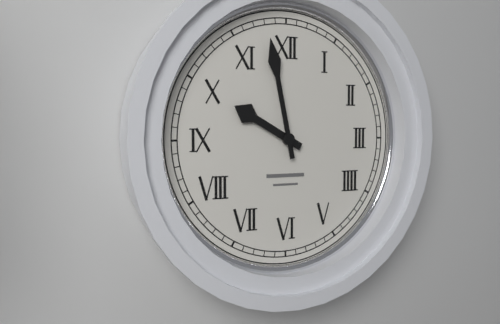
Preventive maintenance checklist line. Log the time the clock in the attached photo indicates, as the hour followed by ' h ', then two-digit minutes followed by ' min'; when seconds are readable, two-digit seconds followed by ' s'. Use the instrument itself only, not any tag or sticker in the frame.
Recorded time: 9 h 58 min
